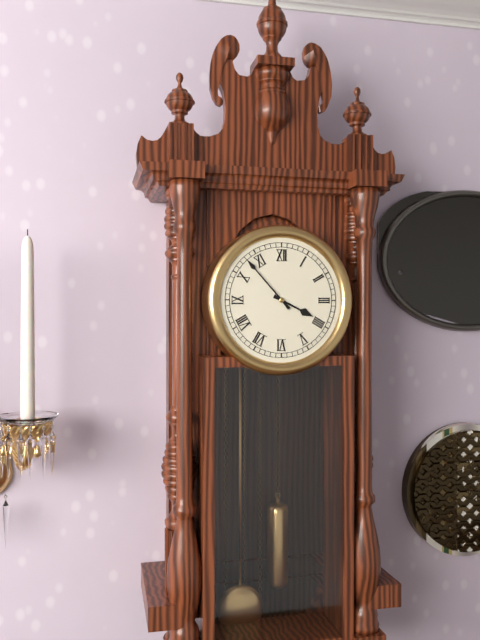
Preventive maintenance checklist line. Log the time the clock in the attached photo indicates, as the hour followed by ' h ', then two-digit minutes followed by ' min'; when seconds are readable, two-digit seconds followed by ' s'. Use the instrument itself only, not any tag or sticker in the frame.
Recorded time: 3 h 53 min
